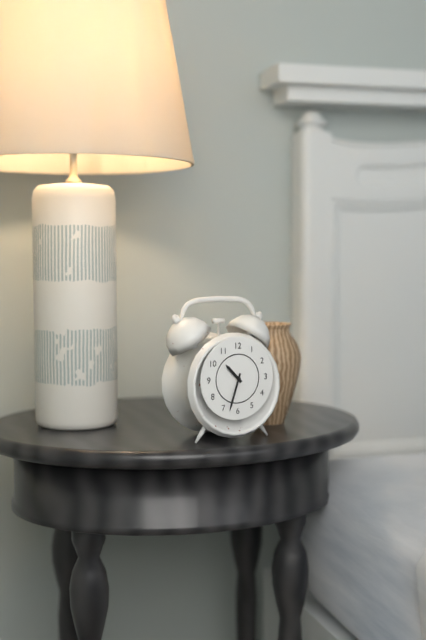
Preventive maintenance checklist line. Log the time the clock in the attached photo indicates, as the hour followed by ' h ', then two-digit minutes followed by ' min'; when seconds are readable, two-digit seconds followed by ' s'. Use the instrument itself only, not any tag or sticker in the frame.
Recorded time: 10 h 33 min
